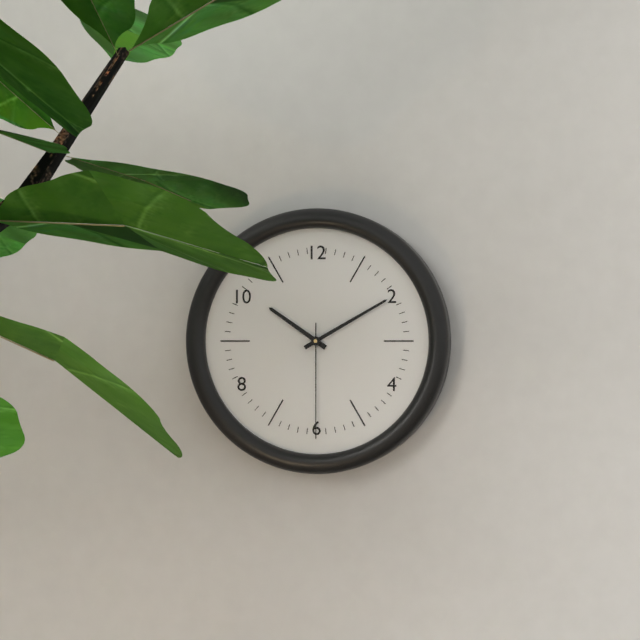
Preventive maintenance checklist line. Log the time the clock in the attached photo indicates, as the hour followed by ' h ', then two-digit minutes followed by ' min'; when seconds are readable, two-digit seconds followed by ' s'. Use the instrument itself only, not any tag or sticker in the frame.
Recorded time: 10 h 10 min 30 s
